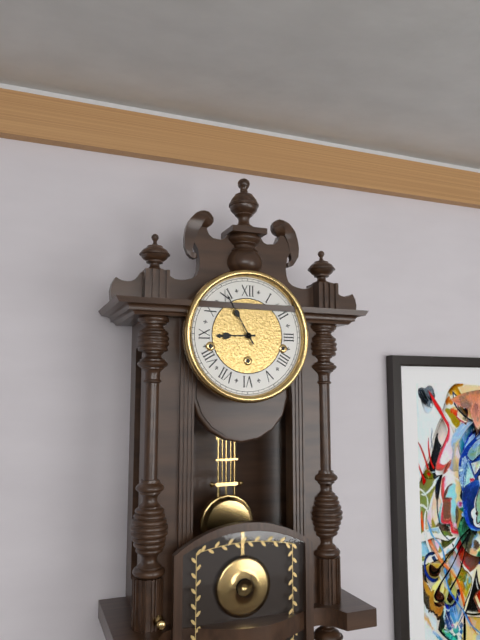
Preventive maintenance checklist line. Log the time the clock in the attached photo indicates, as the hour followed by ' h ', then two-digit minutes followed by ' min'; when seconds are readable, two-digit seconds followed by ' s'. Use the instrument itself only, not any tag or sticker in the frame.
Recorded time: 8 h 55 min
